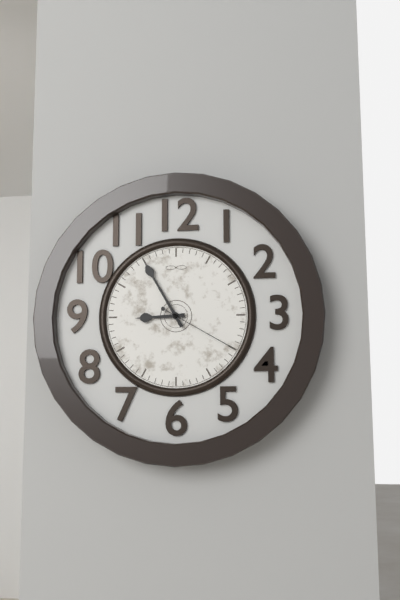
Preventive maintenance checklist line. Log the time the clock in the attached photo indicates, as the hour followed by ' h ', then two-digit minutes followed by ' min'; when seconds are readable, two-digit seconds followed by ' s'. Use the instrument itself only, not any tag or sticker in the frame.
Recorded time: 8 h 55 min 20 s
